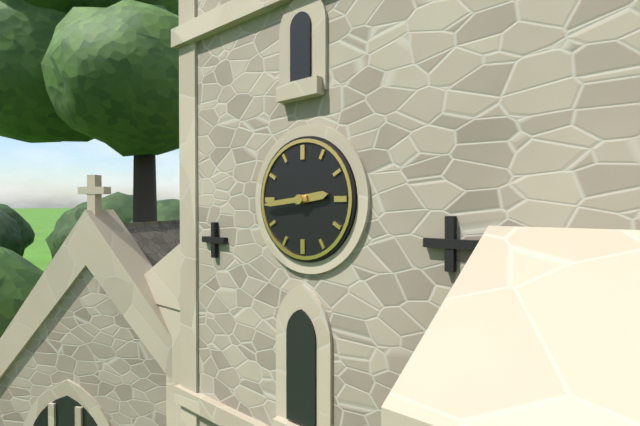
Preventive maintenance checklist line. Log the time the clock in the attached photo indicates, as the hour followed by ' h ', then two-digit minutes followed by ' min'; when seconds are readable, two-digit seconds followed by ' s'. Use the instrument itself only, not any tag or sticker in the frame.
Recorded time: 2 h 44 min
